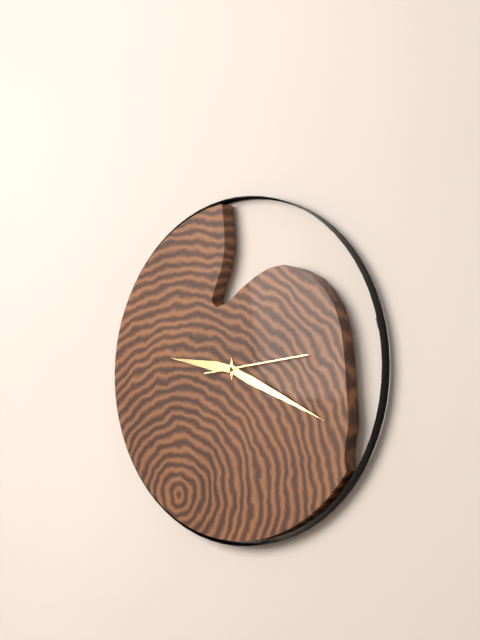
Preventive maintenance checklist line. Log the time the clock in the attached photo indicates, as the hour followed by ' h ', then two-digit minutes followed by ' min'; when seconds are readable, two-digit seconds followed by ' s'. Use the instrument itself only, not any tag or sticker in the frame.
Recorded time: 9 h 19 min 14 s
